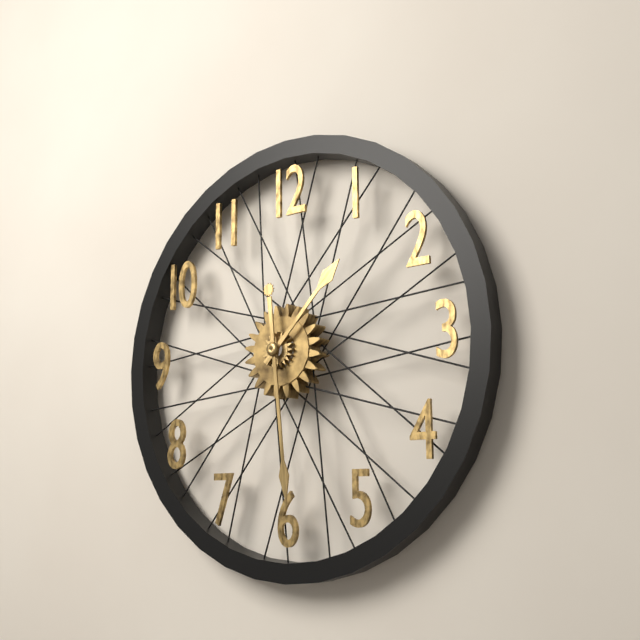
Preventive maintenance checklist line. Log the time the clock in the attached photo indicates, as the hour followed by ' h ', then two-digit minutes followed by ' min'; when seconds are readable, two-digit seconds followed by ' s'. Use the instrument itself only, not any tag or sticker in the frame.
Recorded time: 1 h 29 min
